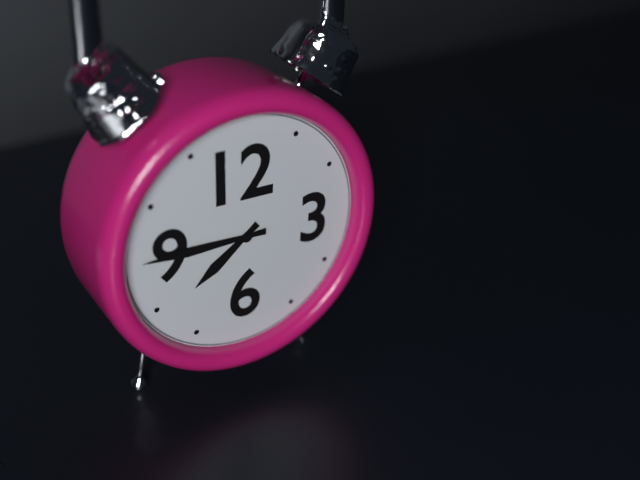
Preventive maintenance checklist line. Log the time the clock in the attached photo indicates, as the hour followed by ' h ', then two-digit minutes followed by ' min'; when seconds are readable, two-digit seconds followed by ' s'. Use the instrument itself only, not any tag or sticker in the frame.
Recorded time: 7 h 45 min
